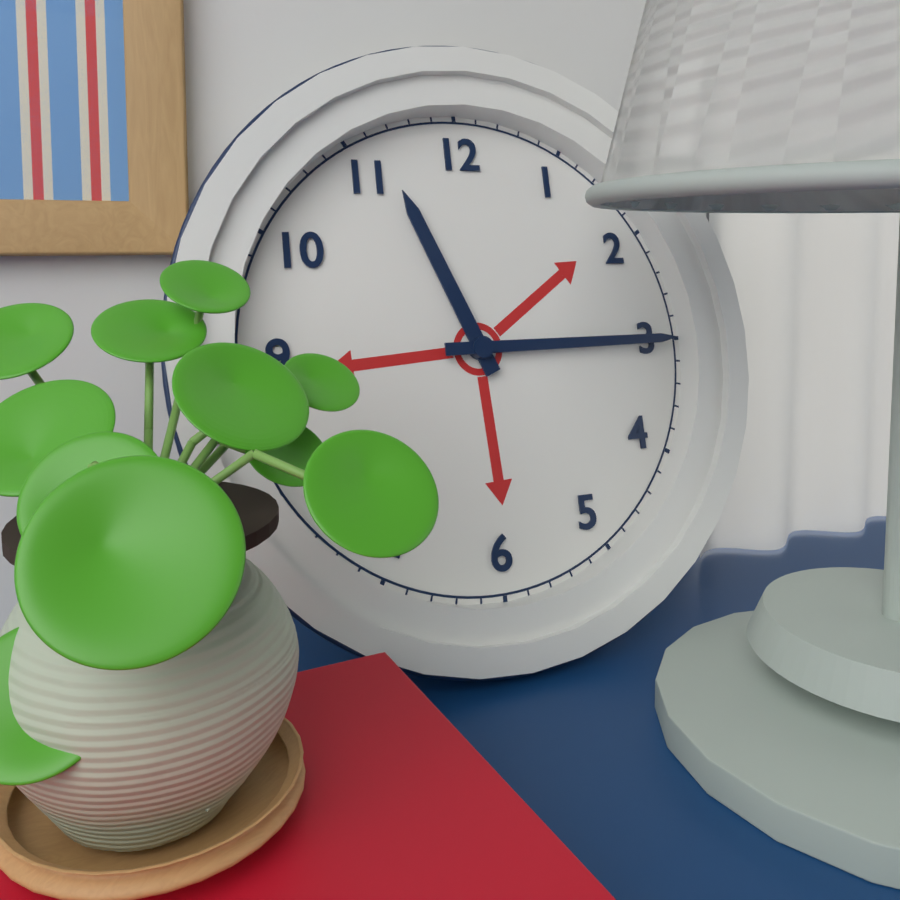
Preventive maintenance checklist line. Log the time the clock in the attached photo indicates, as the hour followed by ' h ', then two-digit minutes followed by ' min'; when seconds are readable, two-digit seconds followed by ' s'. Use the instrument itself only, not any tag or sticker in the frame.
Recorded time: 11 h 15 min
